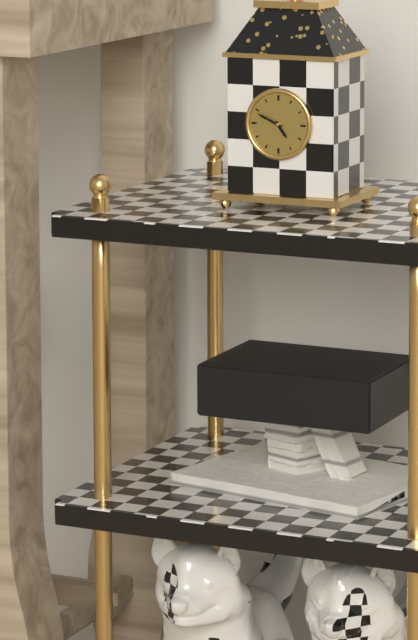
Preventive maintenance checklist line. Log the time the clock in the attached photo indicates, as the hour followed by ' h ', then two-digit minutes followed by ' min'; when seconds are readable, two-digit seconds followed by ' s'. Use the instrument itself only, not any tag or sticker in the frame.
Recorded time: 4 h 49 min
